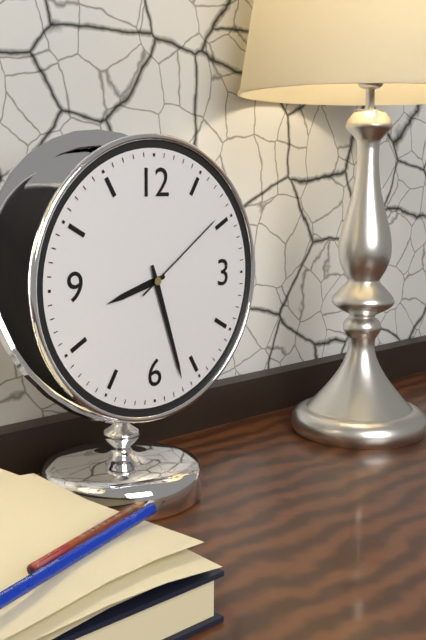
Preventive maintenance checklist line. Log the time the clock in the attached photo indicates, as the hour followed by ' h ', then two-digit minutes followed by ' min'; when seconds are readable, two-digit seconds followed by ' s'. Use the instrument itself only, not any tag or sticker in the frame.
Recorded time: 8 h 27 min 09 s
